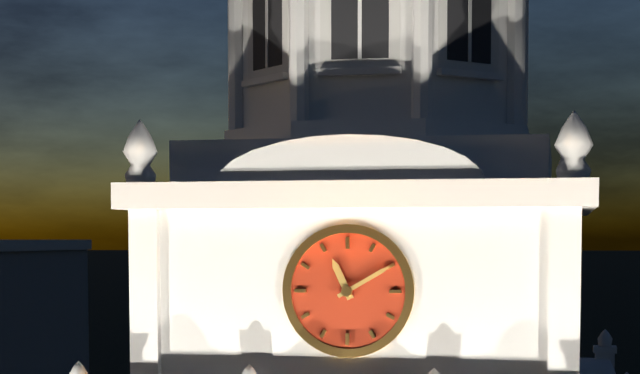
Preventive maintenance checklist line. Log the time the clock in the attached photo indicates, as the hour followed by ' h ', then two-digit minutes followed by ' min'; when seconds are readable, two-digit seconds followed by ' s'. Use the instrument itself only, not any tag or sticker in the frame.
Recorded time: 11 h 10 min
